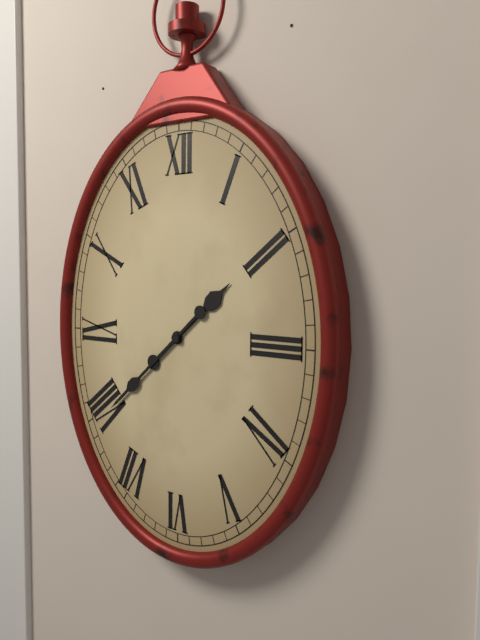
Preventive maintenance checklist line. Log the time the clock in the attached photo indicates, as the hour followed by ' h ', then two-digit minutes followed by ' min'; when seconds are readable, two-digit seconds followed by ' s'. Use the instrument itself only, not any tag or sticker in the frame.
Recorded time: 1 h 38 min
